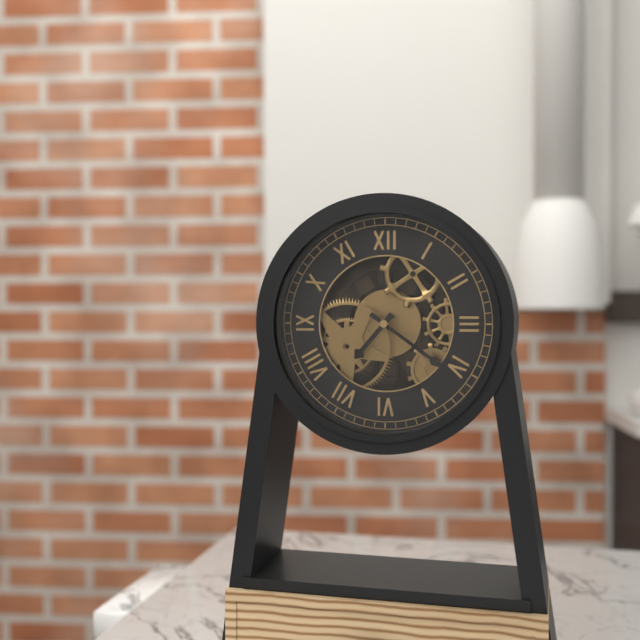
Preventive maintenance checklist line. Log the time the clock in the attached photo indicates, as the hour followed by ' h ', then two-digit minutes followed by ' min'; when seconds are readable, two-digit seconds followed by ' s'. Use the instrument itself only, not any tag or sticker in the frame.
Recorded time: 7 h 21 min
